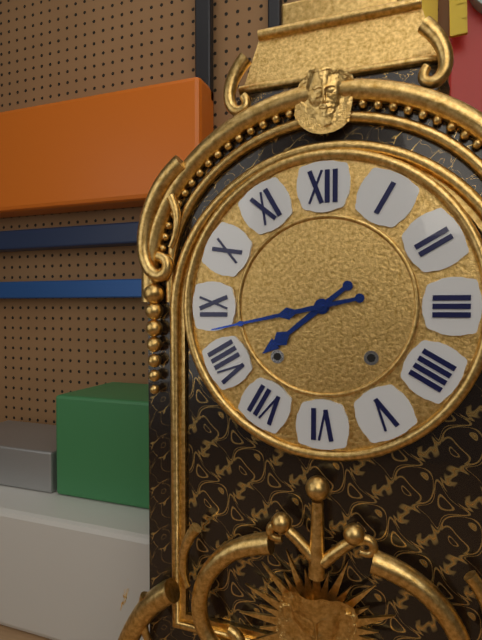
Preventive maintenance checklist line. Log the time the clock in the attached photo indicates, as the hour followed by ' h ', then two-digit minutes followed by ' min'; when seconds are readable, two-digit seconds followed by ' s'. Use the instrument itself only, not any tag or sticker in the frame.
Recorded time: 7 h 43 min
